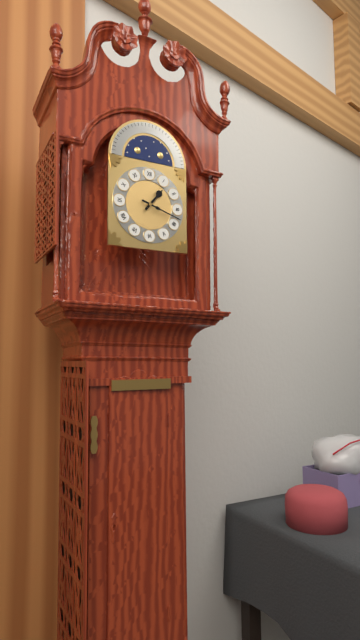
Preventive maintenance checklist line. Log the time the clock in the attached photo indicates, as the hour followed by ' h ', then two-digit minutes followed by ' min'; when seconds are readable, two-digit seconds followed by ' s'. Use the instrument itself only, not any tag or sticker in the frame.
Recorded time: 1 h 18 min
